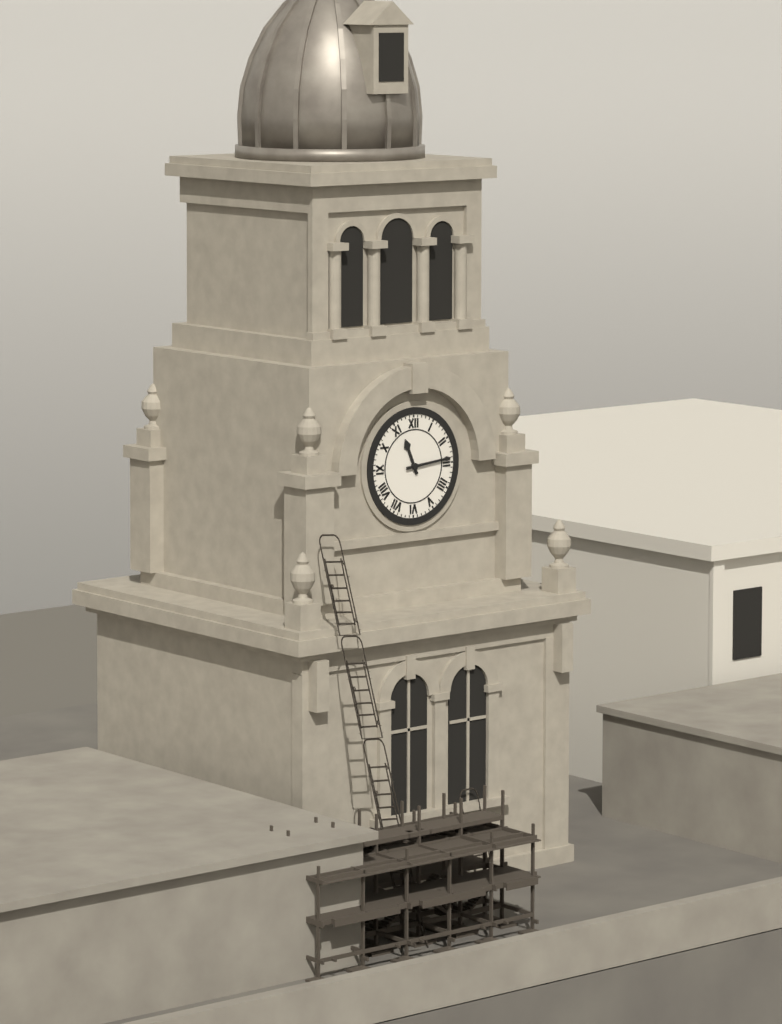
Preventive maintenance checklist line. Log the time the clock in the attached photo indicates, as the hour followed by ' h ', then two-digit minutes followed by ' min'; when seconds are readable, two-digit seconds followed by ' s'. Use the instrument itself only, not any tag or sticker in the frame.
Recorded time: 11 h 14 min
